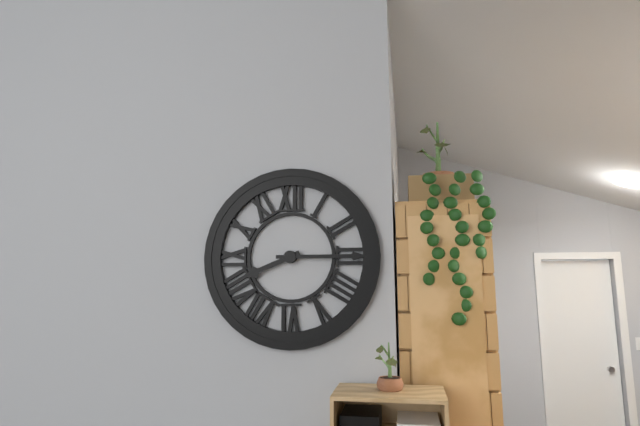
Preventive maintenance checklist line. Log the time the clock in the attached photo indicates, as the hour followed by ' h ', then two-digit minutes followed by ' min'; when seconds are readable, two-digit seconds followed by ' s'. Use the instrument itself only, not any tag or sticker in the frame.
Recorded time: 8 h 15 min
